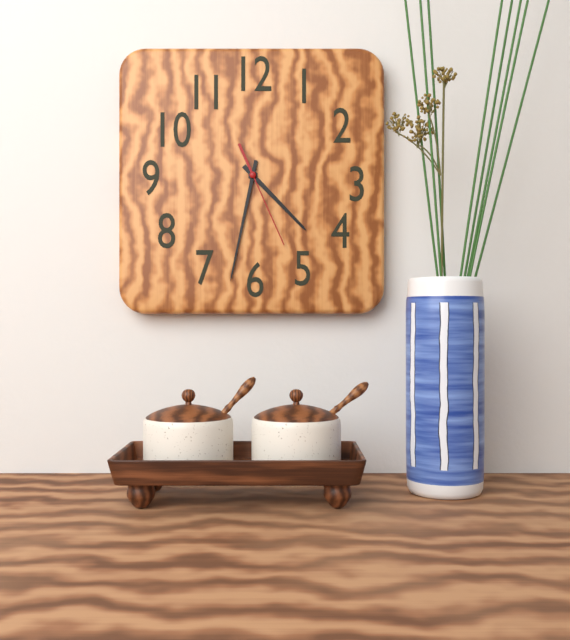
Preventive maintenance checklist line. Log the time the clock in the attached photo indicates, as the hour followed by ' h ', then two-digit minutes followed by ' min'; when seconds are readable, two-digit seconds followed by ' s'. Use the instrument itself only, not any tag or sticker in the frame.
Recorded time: 4 h 32 min 26 s
